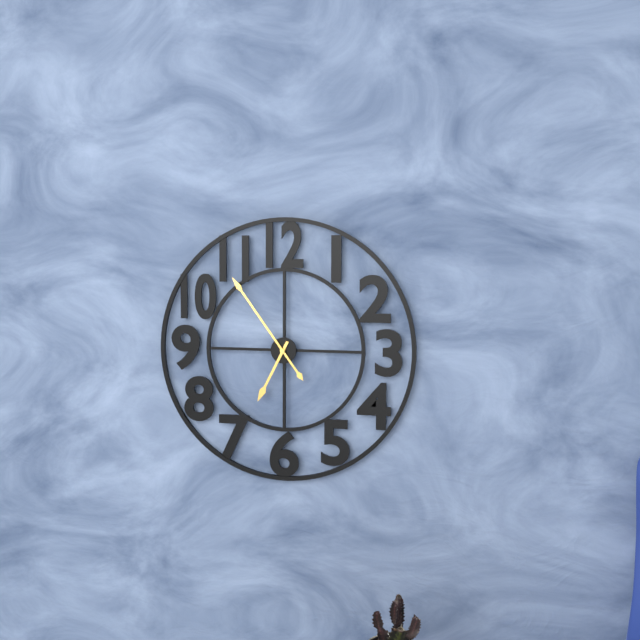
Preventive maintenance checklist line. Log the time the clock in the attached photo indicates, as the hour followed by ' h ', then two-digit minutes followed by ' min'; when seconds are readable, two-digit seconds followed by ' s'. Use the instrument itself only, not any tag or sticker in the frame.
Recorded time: 6 h 54 min
